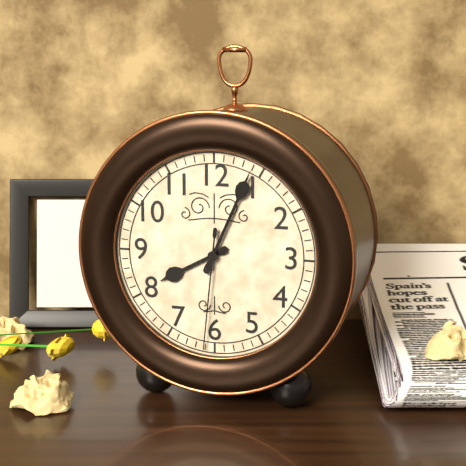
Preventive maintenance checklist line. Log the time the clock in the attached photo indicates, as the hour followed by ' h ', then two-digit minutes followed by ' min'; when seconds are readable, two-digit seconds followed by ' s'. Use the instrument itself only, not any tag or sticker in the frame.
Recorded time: 8 h 04 min 31 s
